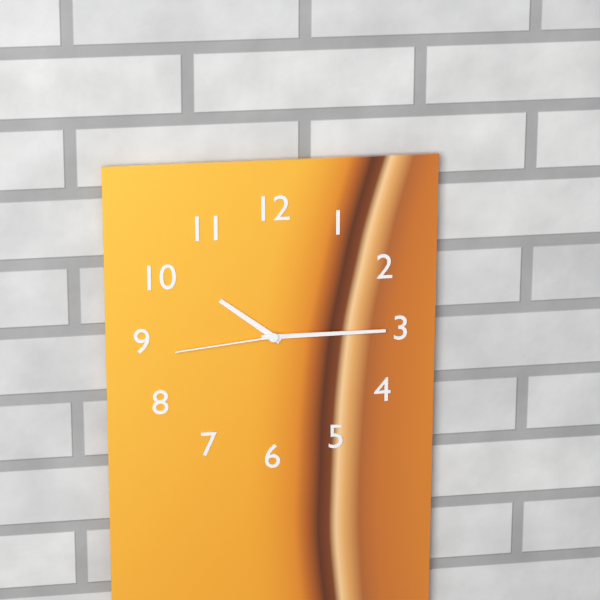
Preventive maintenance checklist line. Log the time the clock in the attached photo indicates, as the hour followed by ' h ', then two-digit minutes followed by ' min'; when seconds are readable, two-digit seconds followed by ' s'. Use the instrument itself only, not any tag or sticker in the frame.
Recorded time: 10 h 15 min 44 s
